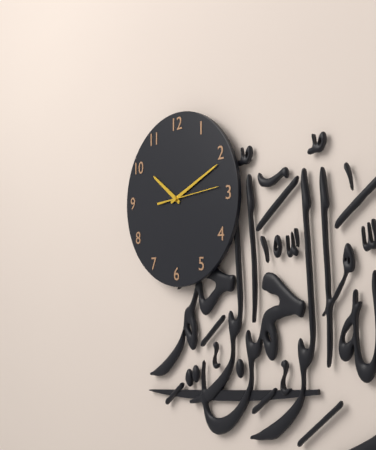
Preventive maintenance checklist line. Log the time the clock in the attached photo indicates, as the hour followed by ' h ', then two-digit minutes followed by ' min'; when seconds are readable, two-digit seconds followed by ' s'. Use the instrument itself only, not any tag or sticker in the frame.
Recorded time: 10 h 11 min 14 s
